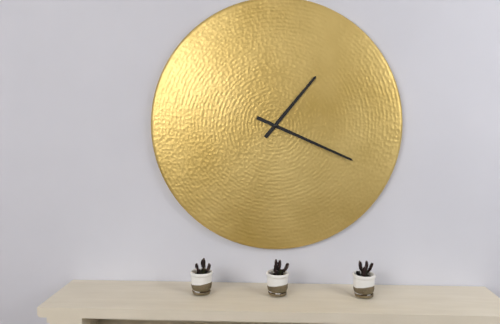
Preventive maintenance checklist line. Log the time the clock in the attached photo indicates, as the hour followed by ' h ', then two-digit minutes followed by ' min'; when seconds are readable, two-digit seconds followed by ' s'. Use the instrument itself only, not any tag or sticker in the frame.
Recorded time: 1 h 19 min
